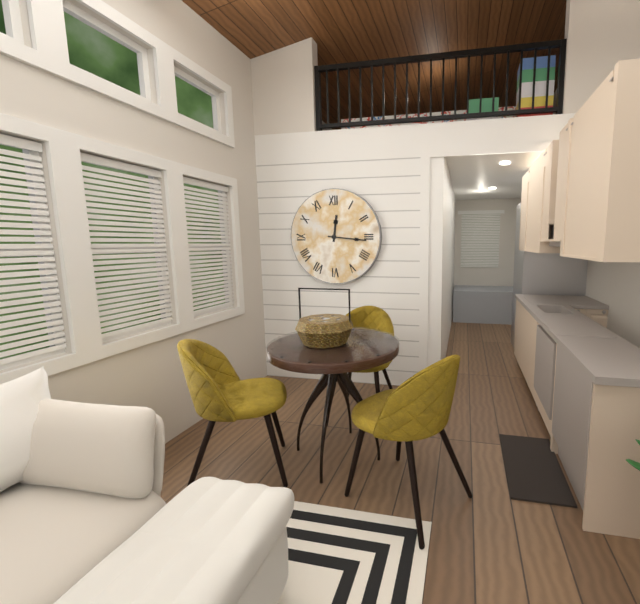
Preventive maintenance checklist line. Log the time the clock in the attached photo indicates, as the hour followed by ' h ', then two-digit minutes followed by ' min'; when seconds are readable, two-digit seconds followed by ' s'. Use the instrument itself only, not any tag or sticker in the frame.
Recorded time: 12 h 16 min
